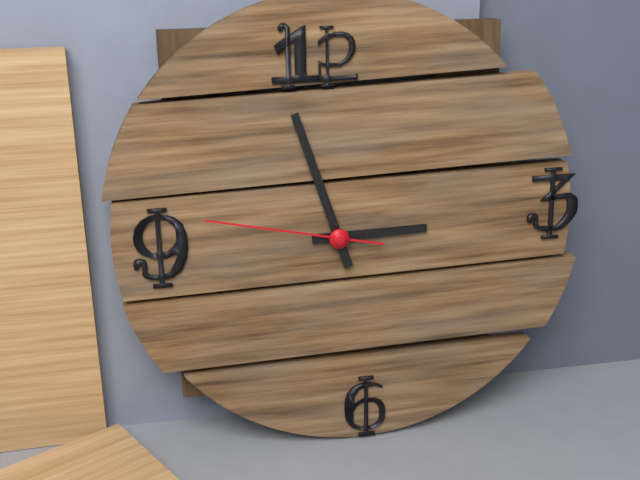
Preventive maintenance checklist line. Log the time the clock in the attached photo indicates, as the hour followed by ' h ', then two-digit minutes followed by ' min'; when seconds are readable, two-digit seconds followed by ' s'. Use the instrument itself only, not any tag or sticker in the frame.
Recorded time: 2 h 57 min 47 s
